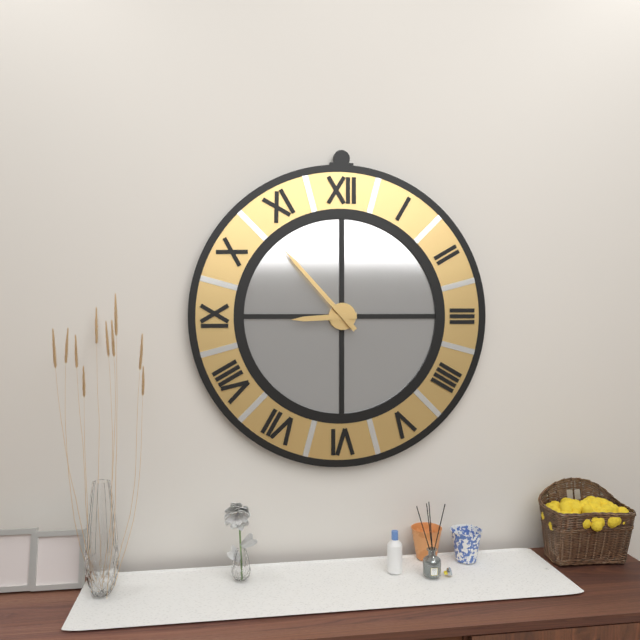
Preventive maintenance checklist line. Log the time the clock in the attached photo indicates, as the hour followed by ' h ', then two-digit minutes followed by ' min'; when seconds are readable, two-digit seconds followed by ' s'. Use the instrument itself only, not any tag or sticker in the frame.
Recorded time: 8 h 53 min
